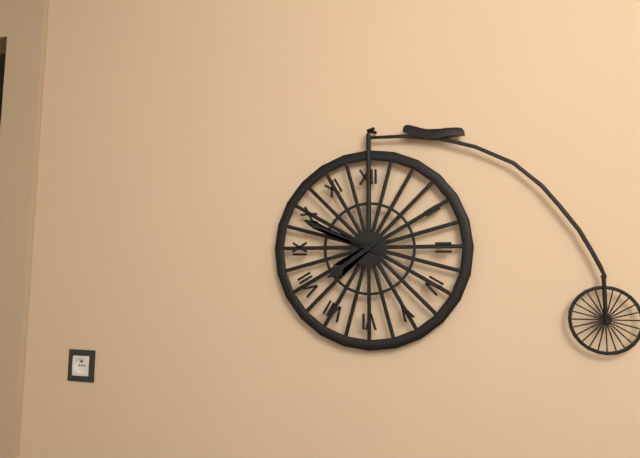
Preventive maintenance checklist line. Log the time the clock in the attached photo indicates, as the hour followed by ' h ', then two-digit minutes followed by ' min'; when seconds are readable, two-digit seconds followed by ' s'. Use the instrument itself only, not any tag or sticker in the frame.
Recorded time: 7 h 49 min
